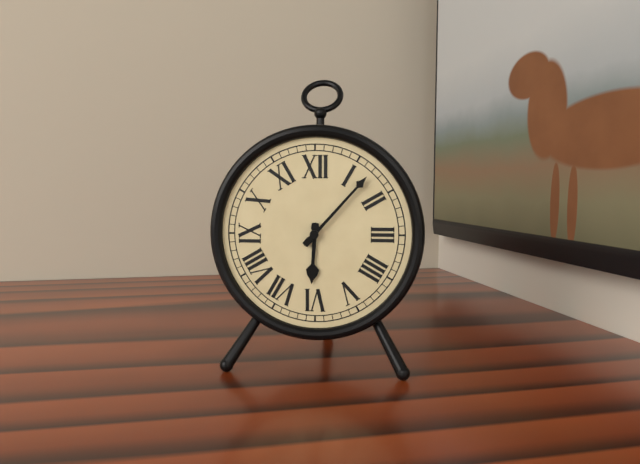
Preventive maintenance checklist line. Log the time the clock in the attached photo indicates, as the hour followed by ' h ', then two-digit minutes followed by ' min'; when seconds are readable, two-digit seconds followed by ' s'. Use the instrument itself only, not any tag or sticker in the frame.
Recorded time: 6 h 07 min
